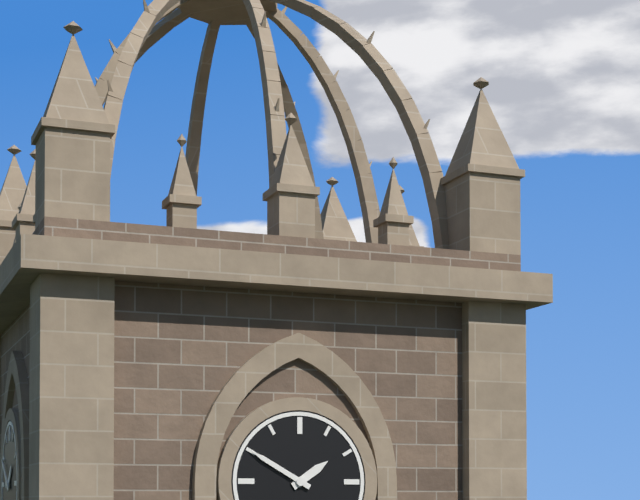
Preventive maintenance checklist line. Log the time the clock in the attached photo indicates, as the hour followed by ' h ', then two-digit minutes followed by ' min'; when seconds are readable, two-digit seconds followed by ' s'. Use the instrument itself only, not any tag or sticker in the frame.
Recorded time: 1 h 50 min
